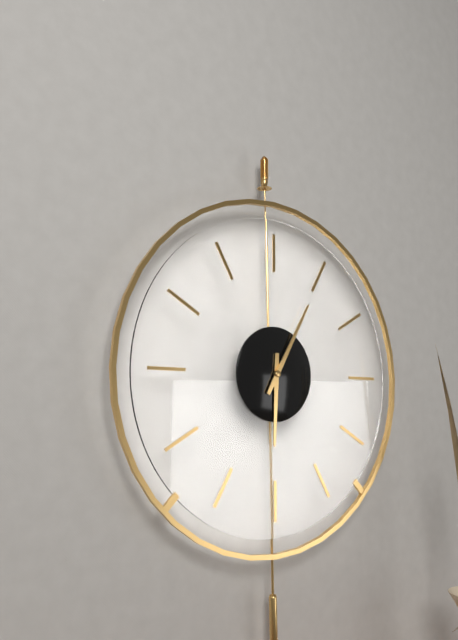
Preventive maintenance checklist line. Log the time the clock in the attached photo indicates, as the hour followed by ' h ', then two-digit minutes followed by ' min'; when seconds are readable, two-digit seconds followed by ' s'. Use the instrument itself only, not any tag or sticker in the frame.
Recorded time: 6 h 05 min
